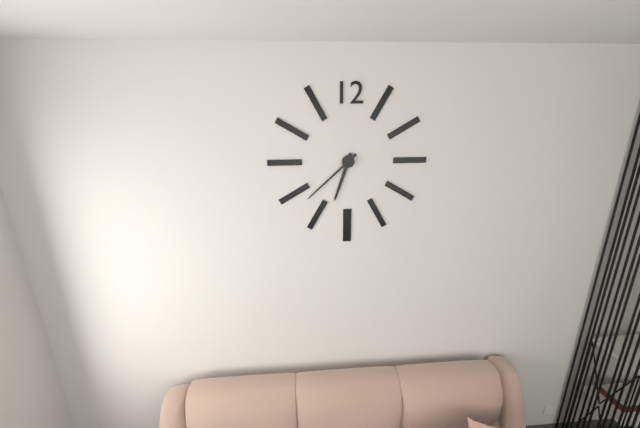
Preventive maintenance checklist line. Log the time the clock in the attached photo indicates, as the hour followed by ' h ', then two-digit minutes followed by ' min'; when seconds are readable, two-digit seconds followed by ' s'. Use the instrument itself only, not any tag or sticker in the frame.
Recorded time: 6 h 38 min
